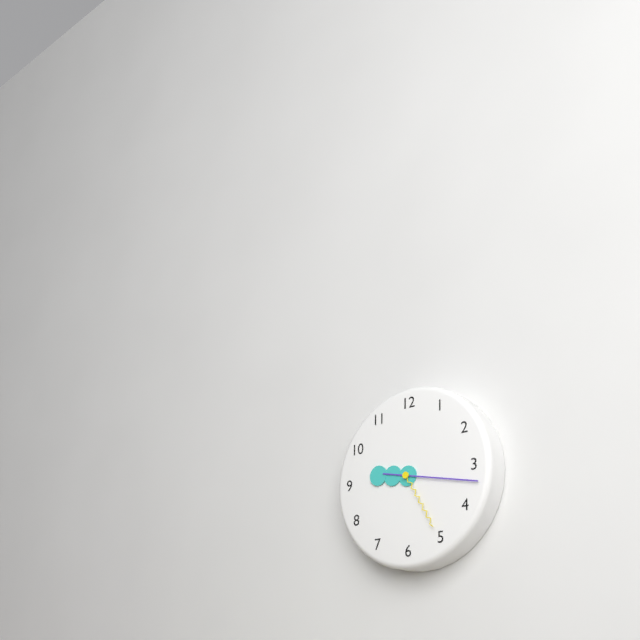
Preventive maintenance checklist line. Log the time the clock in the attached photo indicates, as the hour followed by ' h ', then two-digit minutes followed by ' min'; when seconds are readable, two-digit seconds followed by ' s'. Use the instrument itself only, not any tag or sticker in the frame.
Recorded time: 9 h 17 min 25 s
